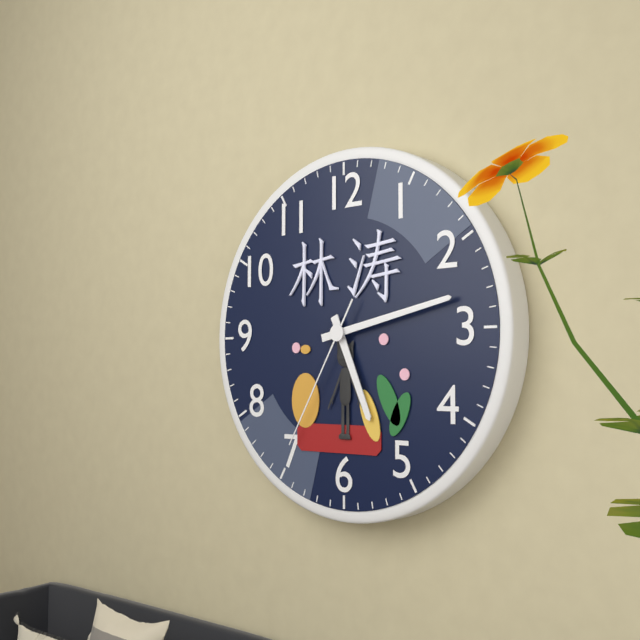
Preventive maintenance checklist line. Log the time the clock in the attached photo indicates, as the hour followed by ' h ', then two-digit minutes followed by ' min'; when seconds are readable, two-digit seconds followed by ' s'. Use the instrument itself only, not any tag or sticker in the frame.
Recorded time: 5 h 13 min 35 s
